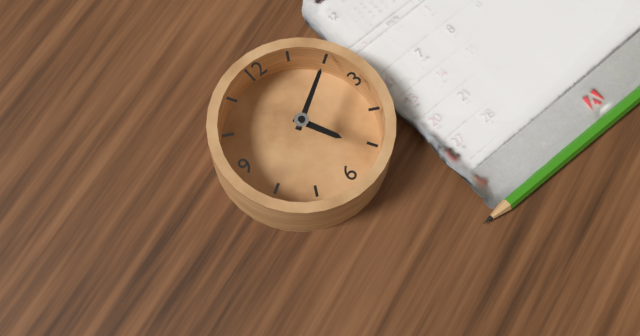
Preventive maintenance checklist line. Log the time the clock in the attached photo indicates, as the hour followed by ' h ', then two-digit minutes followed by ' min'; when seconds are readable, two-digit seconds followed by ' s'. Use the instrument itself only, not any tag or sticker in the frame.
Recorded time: 5 h 10 min
